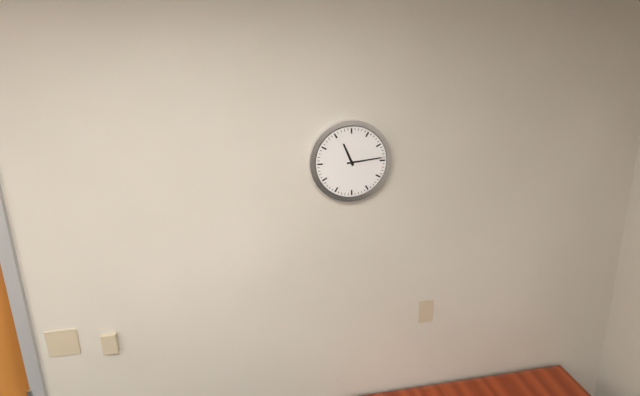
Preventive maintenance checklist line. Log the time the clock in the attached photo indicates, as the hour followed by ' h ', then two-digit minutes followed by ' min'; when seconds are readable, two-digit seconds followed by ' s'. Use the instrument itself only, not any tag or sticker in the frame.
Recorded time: 11 h 14 min
